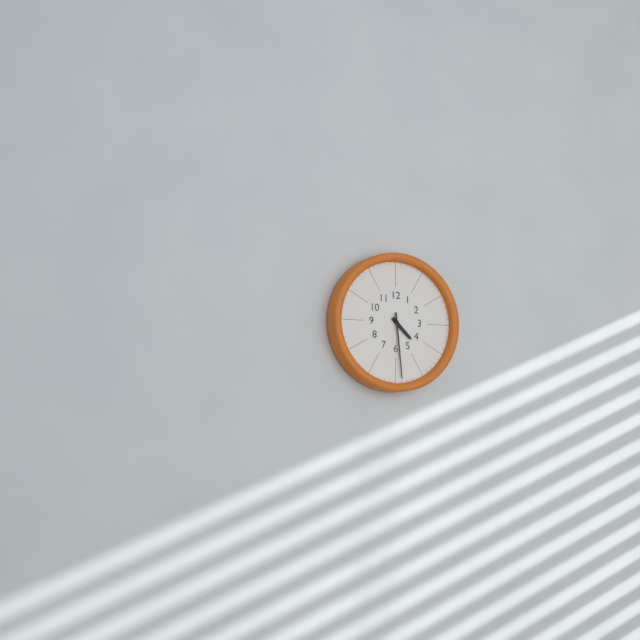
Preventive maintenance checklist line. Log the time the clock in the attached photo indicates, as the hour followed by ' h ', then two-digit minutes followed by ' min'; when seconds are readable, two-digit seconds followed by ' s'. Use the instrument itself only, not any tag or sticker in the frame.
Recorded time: 4 h 29 min
